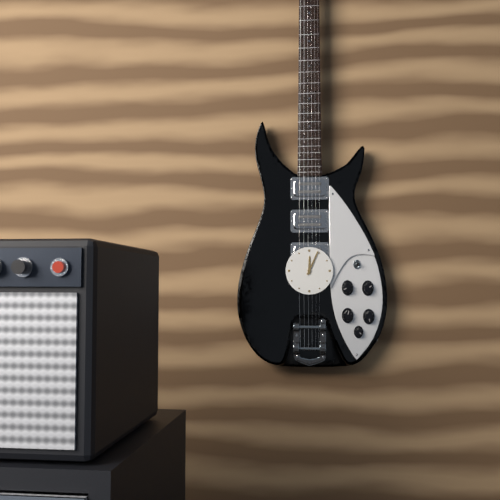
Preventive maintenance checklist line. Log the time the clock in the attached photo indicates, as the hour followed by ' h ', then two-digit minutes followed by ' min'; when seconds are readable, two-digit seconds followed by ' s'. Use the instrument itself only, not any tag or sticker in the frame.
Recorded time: 12 h 04 min
